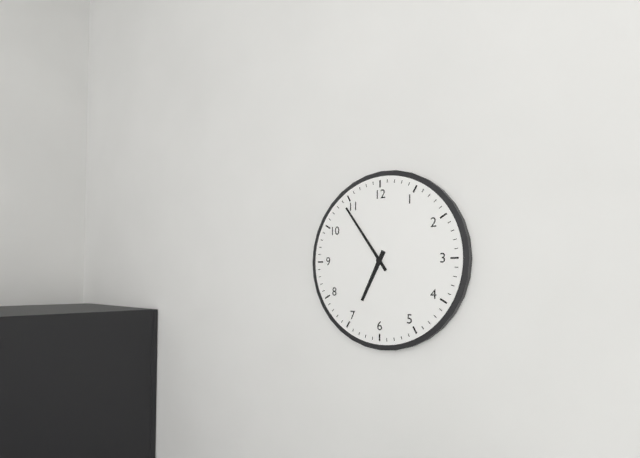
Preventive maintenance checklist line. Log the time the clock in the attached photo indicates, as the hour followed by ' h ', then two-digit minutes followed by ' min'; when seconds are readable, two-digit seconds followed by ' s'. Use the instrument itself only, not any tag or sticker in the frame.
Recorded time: 6 h 54 min
